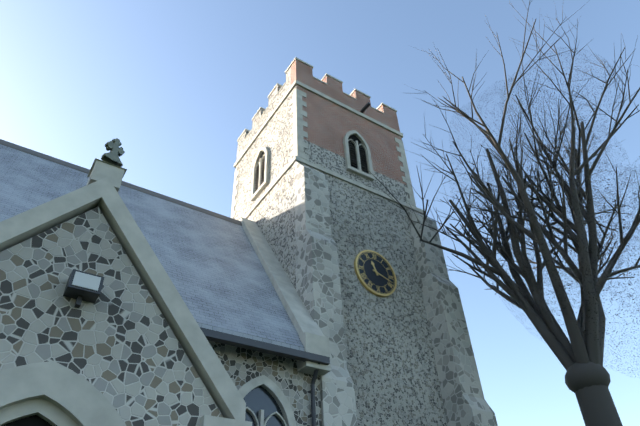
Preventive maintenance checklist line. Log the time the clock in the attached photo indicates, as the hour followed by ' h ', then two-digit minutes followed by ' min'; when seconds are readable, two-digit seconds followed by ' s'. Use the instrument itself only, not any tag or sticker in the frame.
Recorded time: 11 h 18 min
